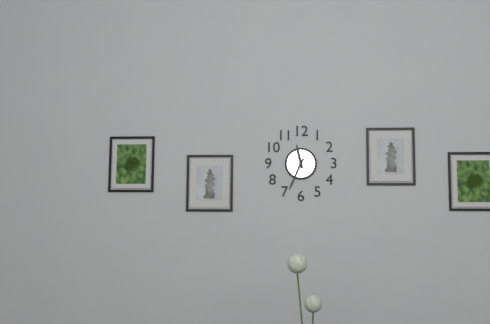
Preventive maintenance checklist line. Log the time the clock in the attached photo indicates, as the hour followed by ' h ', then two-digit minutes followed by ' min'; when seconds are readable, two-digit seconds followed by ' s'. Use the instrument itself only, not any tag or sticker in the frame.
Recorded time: 11 h 34 min
